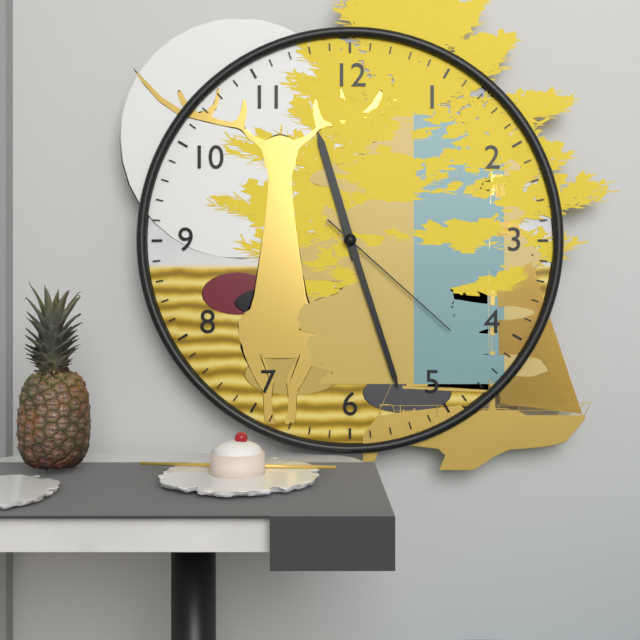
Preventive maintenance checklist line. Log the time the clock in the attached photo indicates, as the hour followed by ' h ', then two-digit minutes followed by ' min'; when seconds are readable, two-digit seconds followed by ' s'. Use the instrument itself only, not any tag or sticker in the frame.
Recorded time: 11 h 27 min 22 s
